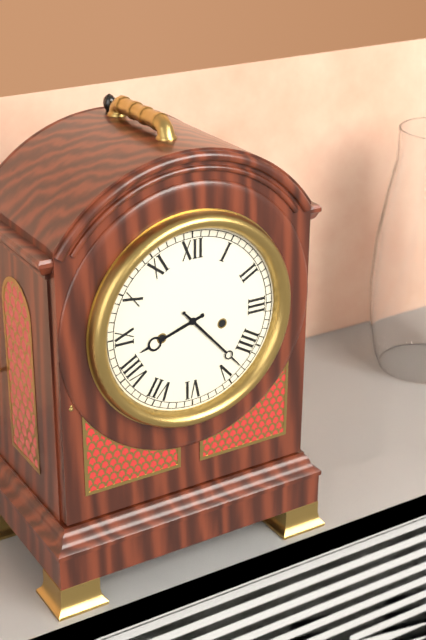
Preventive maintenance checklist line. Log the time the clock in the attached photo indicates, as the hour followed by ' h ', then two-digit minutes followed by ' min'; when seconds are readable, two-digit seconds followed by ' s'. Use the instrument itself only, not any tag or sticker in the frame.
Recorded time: 8 h 23 min
